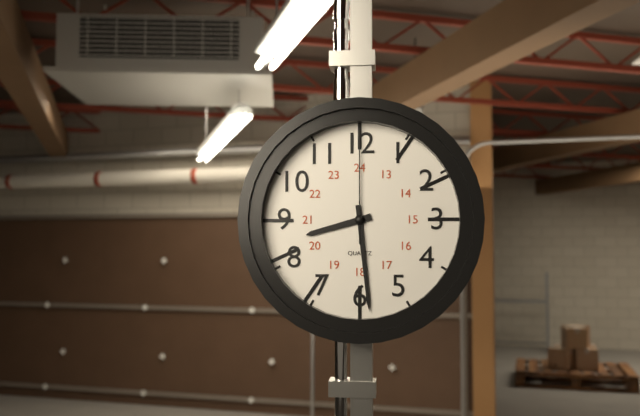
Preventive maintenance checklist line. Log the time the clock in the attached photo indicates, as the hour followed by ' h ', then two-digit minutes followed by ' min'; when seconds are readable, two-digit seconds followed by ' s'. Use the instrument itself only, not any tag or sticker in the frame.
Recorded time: 8 h 29 min 00 s
